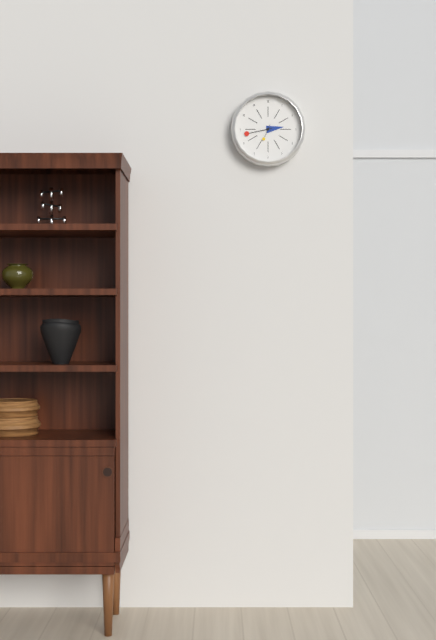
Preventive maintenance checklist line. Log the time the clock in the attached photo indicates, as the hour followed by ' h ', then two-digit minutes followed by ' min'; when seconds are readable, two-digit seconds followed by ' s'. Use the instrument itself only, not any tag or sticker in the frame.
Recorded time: 2 h 43 min
